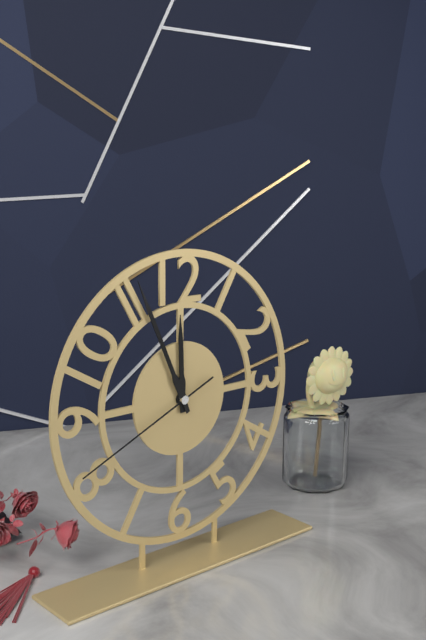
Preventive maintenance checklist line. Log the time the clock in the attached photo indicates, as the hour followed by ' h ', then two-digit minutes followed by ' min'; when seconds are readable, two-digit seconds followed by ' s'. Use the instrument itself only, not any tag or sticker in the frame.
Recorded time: 11 h 56 min 41 s
